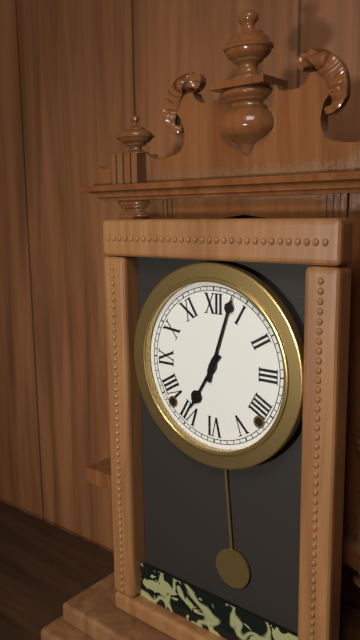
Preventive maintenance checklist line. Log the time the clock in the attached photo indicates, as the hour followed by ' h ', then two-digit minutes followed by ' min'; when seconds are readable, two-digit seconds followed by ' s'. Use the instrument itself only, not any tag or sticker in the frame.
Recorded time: 7 h 03 min
